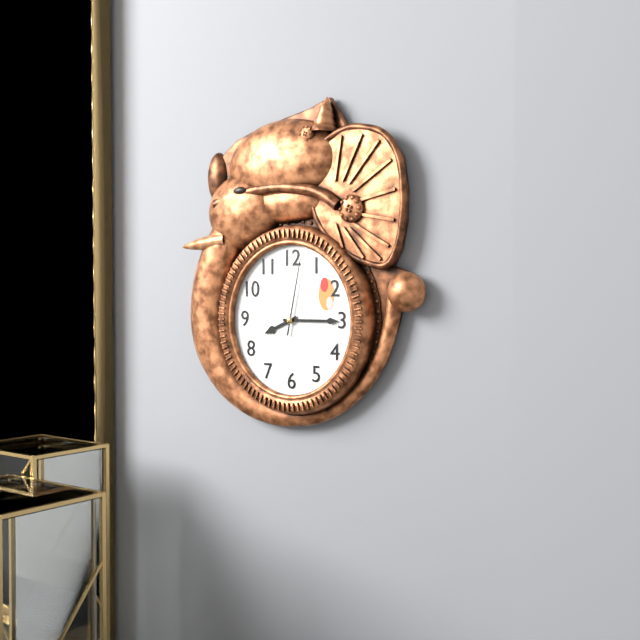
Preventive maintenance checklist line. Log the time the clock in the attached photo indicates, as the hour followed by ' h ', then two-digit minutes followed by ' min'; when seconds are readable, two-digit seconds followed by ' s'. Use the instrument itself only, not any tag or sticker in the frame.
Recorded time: 8 h 15 min 02 s
